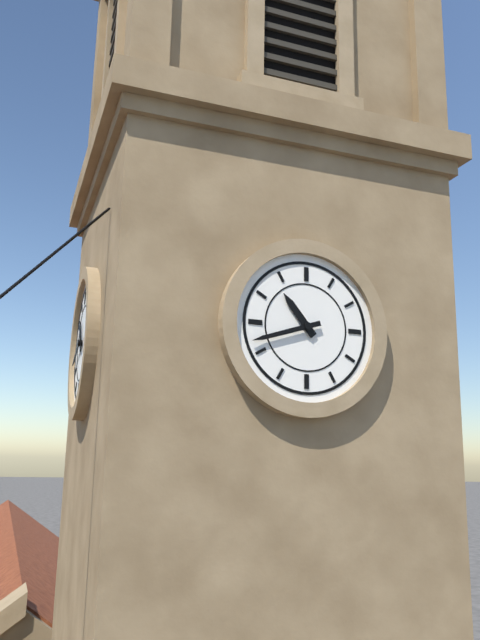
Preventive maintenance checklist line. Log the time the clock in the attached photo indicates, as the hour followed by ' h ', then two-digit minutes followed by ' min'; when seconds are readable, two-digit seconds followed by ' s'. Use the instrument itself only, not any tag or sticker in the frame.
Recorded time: 10 h 42 min
